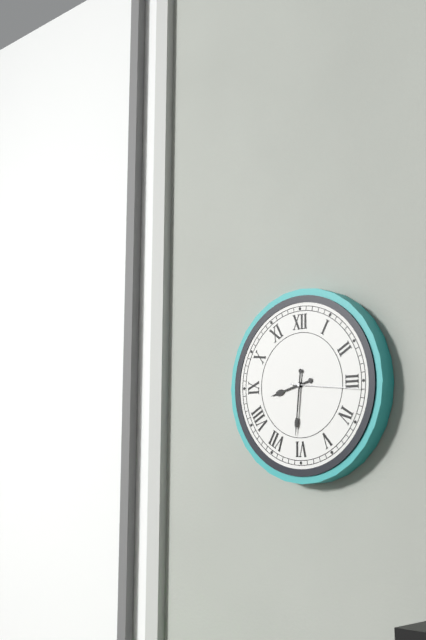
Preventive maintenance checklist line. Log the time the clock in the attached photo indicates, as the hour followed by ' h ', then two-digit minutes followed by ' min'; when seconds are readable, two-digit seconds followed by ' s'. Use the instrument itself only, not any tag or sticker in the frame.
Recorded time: 8 h 31 min 16 s
